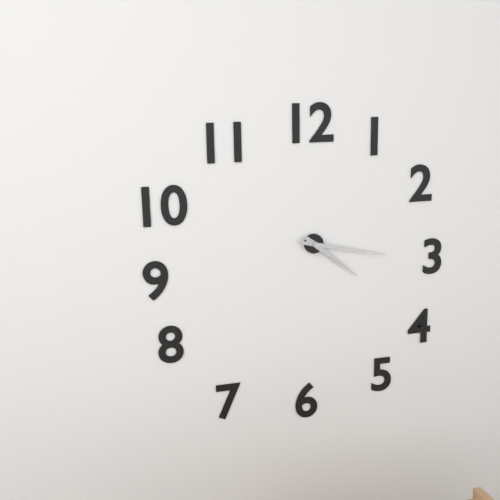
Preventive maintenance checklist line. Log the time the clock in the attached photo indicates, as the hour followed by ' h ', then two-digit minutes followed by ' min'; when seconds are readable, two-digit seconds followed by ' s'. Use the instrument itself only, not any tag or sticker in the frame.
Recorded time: 4 h 17 min
